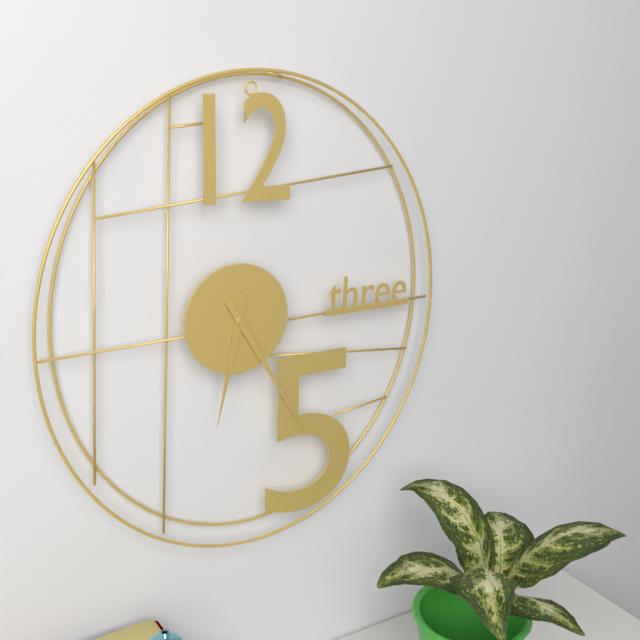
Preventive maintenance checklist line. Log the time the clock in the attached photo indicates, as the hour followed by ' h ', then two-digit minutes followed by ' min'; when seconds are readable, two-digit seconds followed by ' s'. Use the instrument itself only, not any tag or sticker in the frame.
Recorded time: 6 h 25 min
